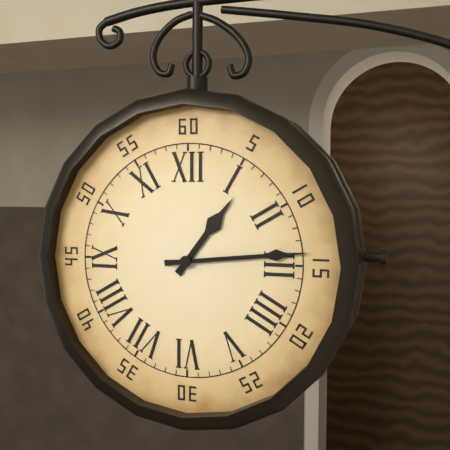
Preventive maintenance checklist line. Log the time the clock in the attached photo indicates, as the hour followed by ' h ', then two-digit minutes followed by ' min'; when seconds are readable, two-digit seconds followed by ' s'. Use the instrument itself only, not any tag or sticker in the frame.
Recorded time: 1 h 14 min
